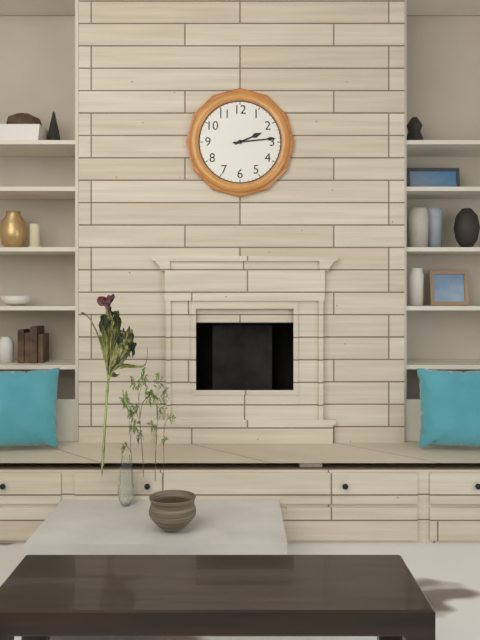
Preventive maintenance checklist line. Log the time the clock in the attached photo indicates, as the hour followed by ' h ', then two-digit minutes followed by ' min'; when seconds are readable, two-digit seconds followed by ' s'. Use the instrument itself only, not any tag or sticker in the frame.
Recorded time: 2 h 14 min
